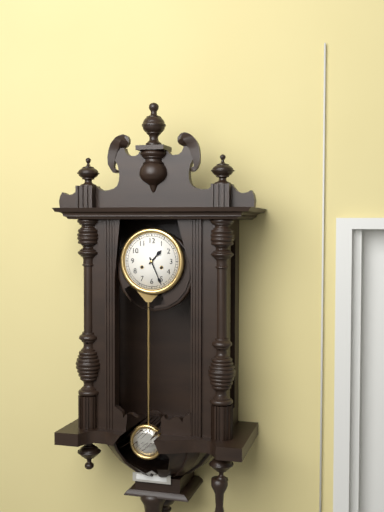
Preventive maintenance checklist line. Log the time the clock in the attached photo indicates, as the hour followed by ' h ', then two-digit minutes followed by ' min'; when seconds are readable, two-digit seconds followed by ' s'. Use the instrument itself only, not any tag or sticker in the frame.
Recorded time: 1 h 26 min
